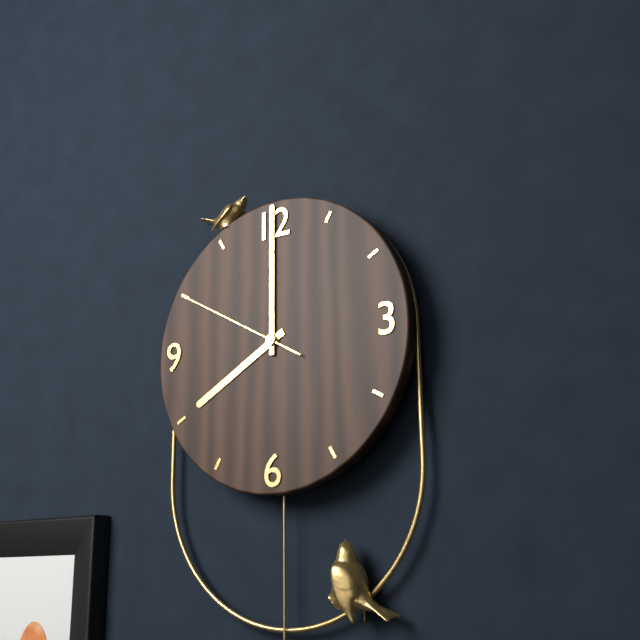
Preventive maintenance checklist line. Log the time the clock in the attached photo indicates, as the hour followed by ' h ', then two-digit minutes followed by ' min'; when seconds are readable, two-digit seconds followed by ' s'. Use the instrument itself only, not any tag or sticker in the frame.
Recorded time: 8 h 00 min 50 s
